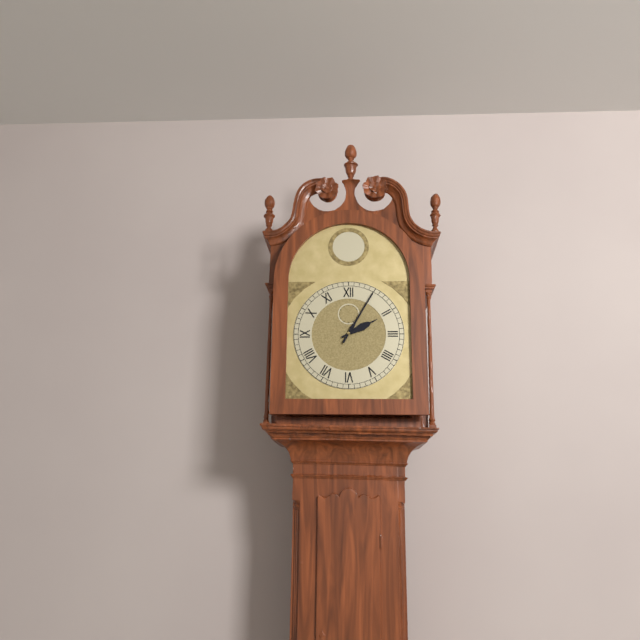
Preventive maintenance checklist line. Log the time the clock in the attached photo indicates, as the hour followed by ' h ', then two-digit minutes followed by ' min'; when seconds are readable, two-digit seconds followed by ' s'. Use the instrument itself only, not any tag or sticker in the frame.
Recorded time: 2 h 05 min
